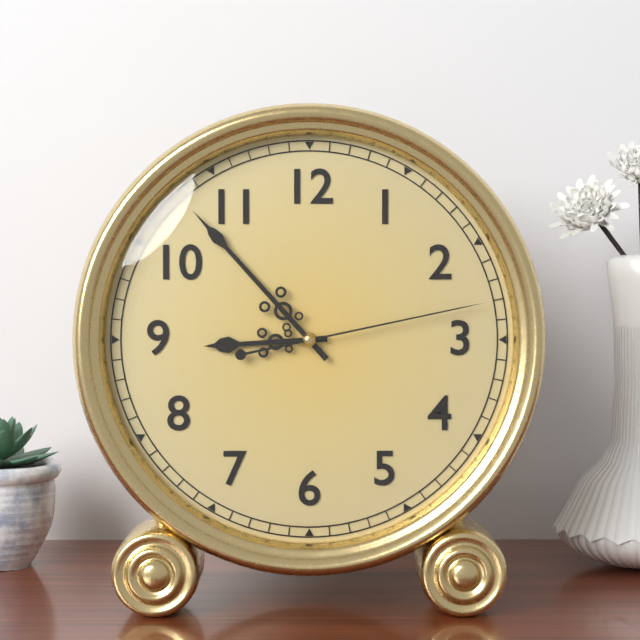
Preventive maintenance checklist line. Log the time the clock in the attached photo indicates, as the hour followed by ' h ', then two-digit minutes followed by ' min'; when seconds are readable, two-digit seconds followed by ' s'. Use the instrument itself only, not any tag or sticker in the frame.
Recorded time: 8 h 53 min 13 s
